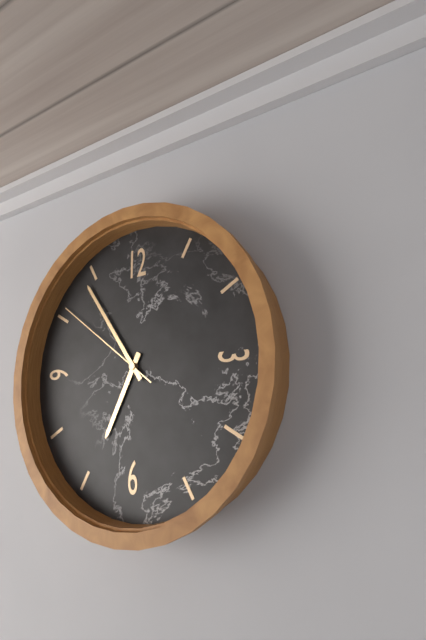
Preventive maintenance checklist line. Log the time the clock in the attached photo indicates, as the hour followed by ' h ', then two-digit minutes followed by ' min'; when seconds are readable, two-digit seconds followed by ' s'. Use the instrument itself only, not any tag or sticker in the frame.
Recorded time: 6 h 54 min 51 s
